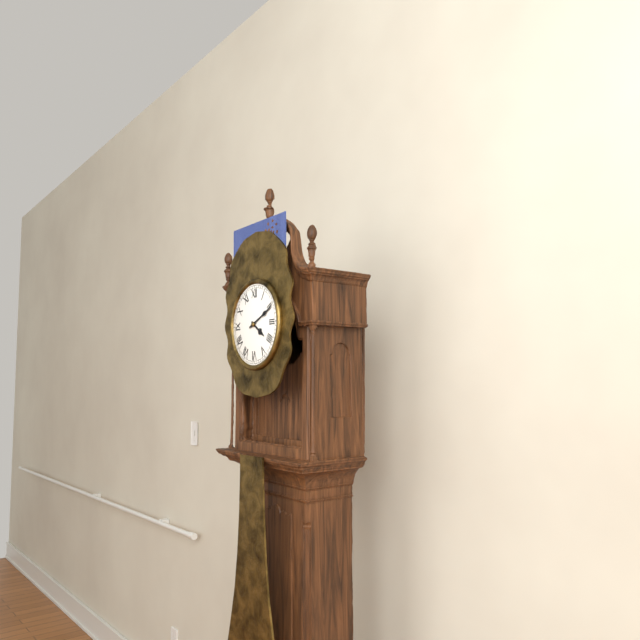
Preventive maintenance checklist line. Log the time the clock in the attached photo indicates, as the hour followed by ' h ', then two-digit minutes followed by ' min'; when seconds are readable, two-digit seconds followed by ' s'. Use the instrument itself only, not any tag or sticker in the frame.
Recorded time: 4 h 11 min
